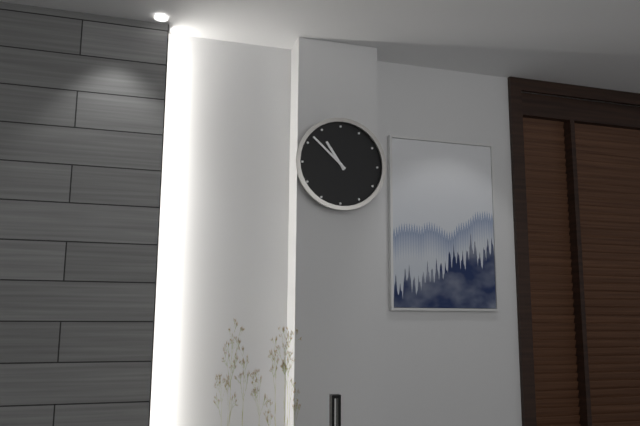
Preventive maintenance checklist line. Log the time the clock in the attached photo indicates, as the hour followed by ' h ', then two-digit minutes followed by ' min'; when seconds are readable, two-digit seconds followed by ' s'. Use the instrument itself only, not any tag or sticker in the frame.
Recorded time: 10 h 52 min
